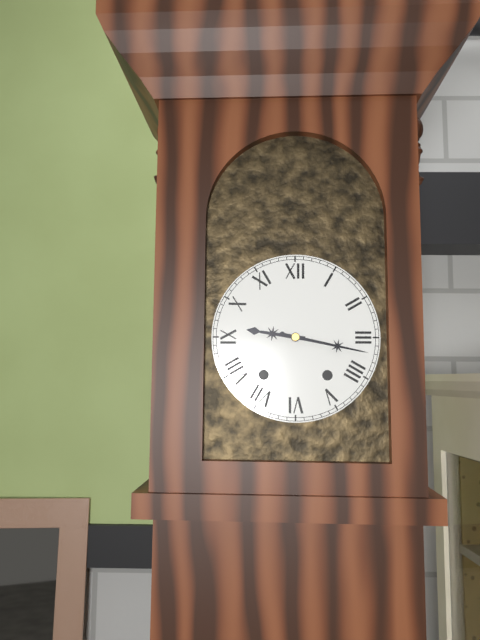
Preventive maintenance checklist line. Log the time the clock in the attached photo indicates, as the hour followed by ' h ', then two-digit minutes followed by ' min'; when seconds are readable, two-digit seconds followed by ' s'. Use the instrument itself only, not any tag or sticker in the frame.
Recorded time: 9 h 17 min
